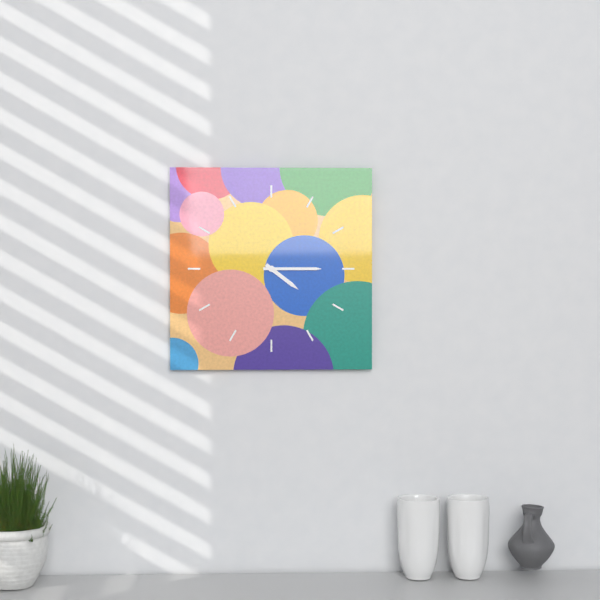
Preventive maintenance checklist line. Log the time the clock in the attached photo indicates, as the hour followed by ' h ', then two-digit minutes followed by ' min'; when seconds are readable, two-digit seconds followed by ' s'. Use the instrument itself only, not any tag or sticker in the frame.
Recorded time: 4 h 15 min
